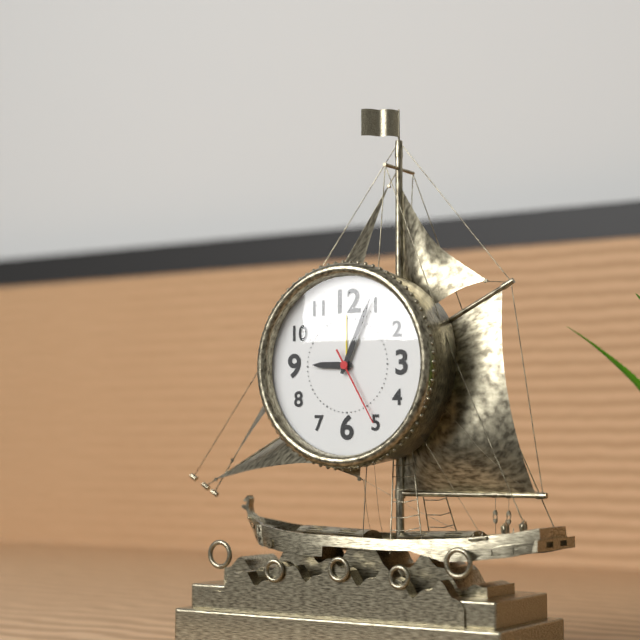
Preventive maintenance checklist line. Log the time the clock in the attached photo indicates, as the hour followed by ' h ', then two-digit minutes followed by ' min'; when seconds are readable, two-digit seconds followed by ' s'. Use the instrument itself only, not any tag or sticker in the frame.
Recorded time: 9 h 04 min 25 s
